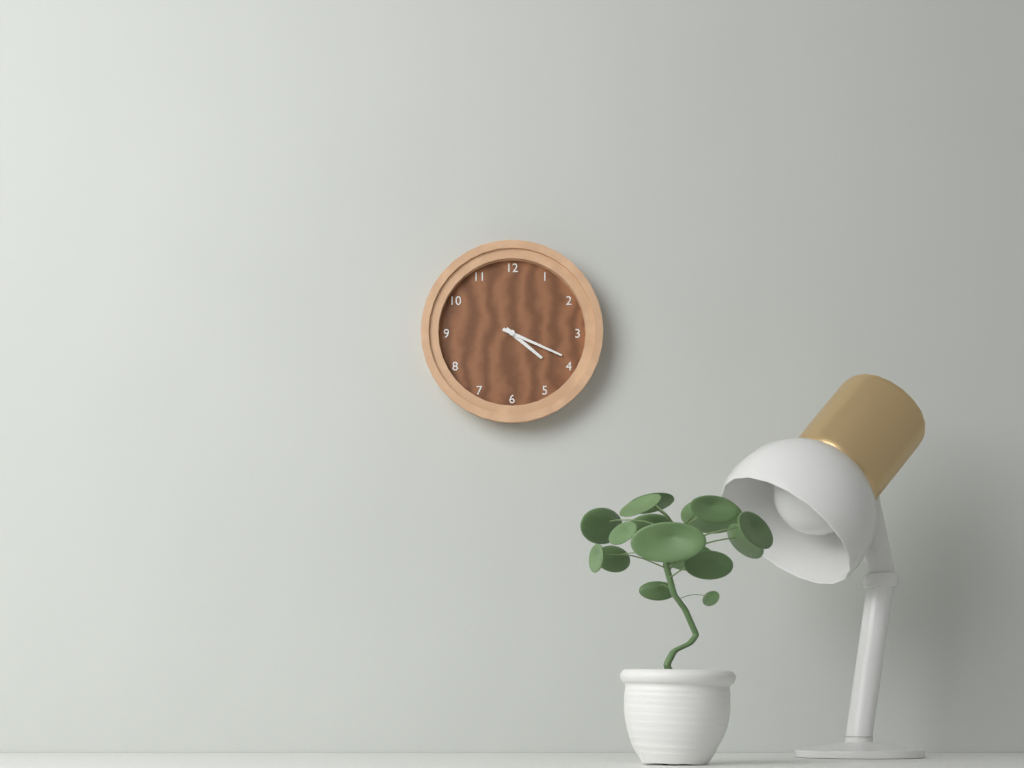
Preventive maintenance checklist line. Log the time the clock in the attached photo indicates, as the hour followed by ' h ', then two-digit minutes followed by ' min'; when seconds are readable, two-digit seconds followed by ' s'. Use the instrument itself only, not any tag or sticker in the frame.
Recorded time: 4 h 19 min
